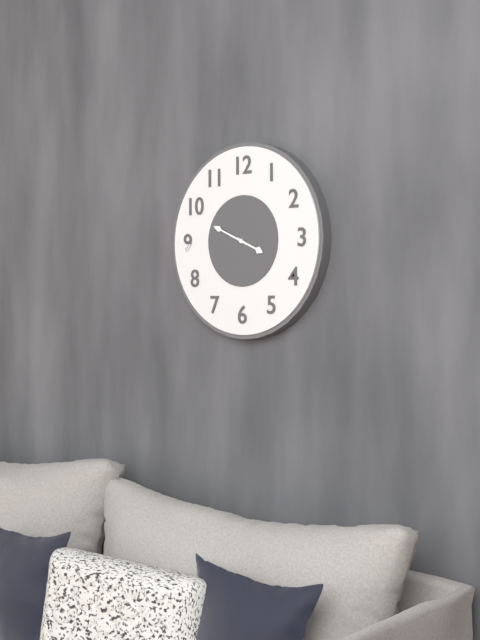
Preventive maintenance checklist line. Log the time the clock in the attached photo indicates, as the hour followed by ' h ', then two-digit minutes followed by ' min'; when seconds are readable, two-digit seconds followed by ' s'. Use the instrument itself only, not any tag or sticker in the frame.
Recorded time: 3 h 49 min
